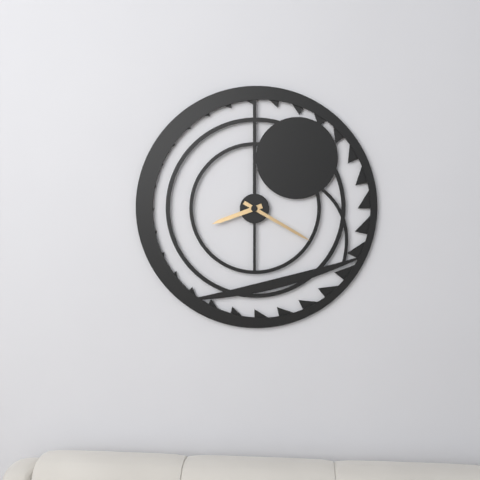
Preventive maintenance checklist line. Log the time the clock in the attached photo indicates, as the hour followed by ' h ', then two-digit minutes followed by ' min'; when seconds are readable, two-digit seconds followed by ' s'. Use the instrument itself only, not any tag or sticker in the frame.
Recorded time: 8 h 20 min
